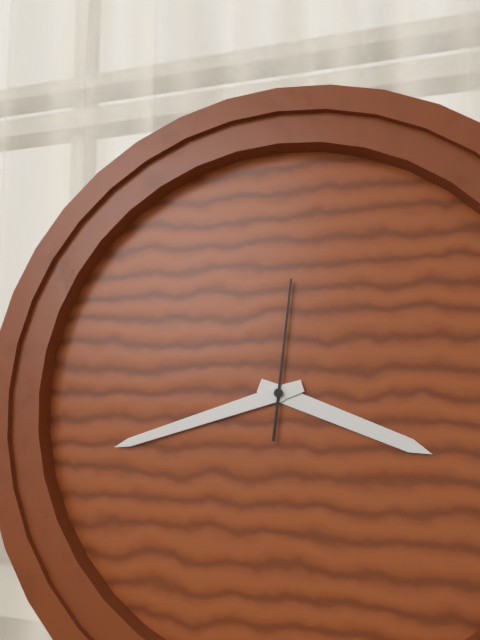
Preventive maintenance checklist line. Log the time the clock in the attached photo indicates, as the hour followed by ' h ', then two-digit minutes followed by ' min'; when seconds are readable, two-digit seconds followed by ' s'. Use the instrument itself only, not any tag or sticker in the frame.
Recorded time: 3 h 42 min 01 s
